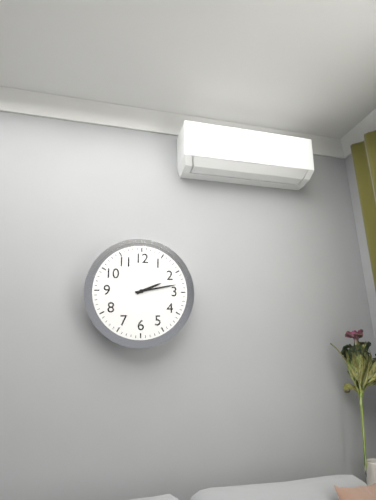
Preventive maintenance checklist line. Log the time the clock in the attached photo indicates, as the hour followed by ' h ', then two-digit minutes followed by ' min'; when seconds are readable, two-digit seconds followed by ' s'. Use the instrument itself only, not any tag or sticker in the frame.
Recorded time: 2 h 13 min
